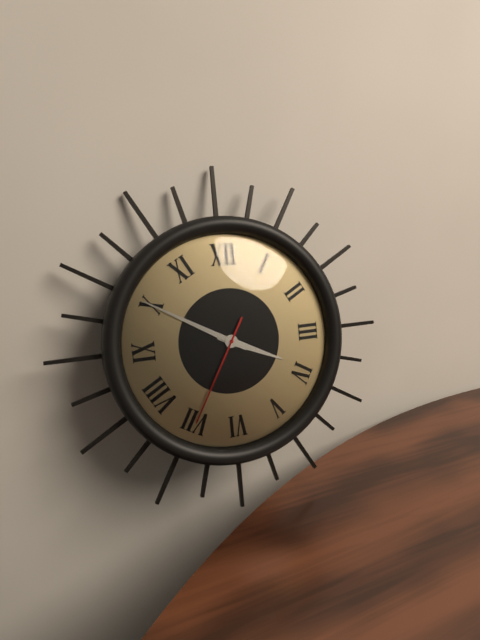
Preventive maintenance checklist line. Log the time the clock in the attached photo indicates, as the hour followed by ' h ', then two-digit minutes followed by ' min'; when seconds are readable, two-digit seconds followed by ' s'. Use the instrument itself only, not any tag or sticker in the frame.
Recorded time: 3 h 50 min 35 s
